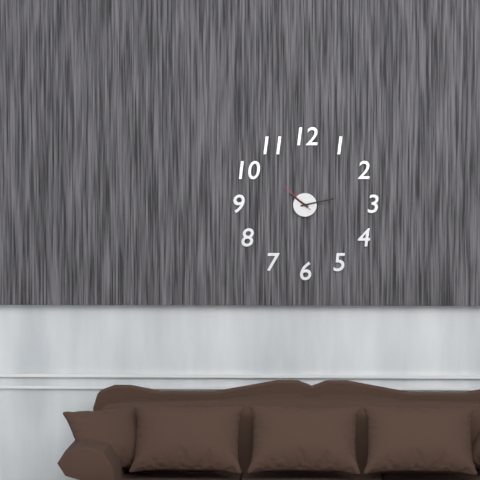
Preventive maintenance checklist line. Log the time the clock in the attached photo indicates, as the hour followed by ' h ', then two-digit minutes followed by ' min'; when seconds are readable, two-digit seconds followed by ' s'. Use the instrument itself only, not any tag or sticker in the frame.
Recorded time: 10 h 13 min
